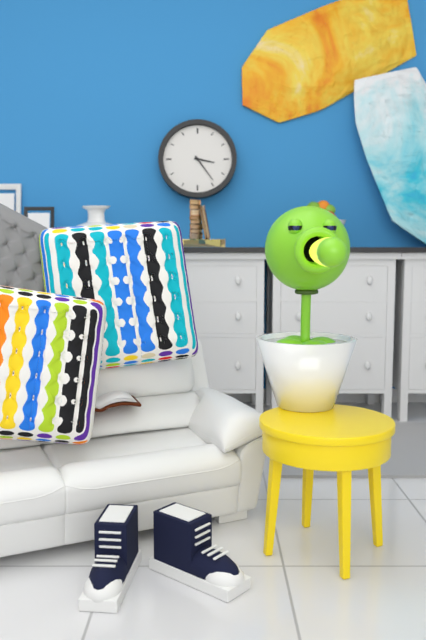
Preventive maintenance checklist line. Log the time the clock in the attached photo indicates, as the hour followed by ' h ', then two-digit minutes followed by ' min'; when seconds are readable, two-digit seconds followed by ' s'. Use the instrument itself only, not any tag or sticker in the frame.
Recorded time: 3 h 24 min
